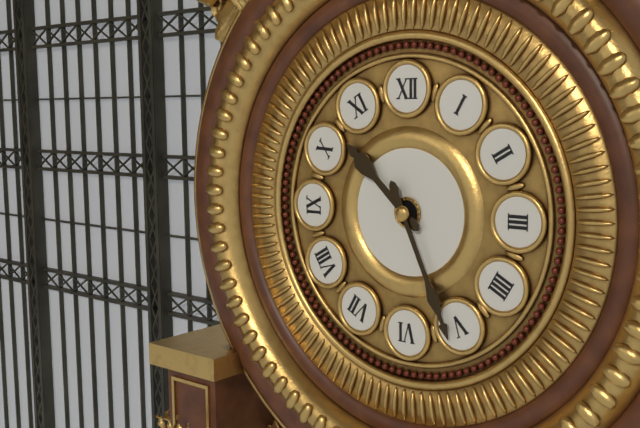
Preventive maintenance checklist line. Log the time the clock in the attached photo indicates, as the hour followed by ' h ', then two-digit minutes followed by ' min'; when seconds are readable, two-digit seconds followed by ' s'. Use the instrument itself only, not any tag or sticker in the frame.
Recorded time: 10 h 26 min
